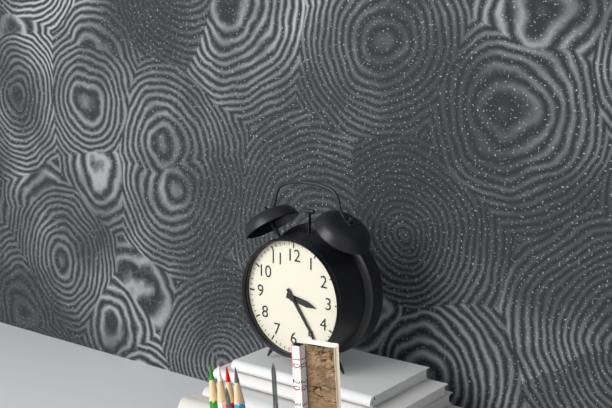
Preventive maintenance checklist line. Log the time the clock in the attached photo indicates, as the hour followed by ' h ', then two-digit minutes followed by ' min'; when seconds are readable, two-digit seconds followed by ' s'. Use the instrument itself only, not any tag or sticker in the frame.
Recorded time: 3 h 24 min
